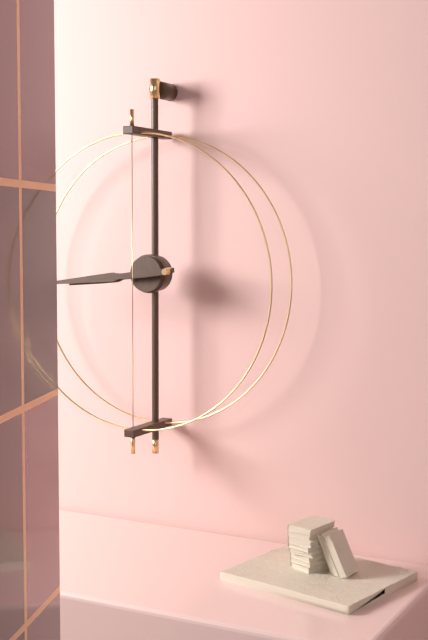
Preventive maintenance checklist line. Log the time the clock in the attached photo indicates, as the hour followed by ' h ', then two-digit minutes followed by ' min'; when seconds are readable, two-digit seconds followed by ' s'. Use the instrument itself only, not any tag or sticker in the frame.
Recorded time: 8 h 44 min
